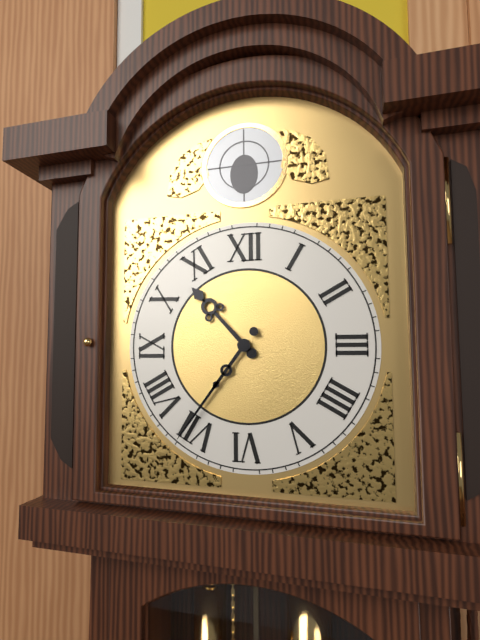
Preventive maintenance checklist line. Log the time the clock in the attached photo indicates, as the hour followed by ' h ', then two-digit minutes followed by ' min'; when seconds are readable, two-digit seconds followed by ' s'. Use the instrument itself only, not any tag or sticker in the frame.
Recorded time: 10 h 36 min
